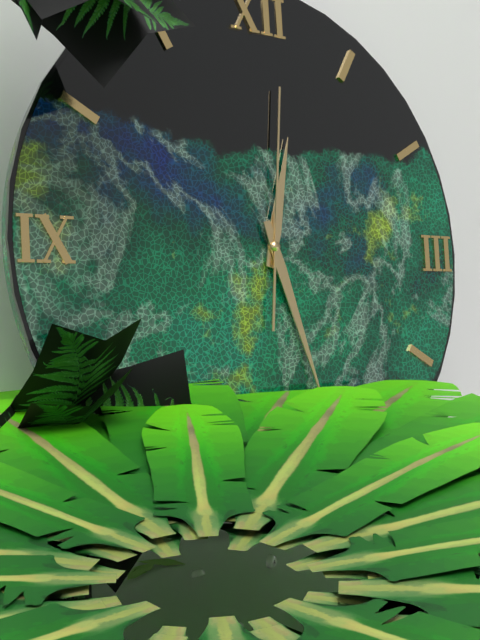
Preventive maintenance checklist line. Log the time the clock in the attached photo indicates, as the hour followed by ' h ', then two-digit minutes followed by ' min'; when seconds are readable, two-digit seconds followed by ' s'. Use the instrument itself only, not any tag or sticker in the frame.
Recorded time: 12 h 27 min 01 s
